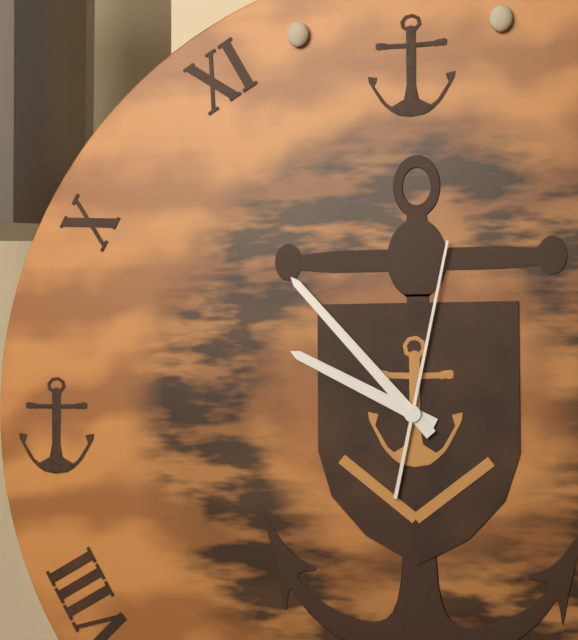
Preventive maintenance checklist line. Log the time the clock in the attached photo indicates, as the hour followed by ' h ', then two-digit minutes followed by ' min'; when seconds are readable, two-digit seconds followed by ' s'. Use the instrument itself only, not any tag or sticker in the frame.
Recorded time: 9 h 53 min 02 s
